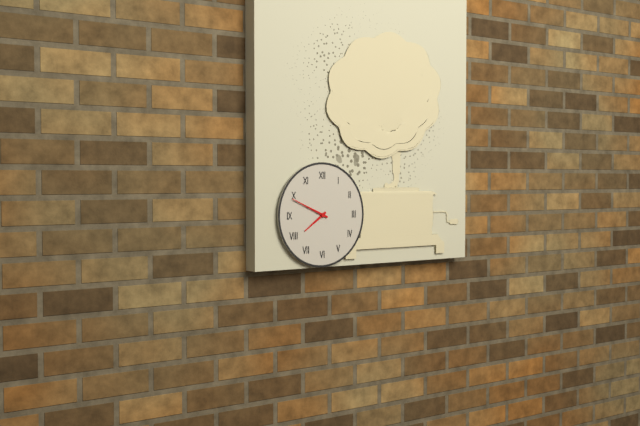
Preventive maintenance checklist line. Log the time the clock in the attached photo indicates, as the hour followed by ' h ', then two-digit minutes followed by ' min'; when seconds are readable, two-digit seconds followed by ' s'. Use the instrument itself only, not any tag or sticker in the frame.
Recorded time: 7 h 49 min
